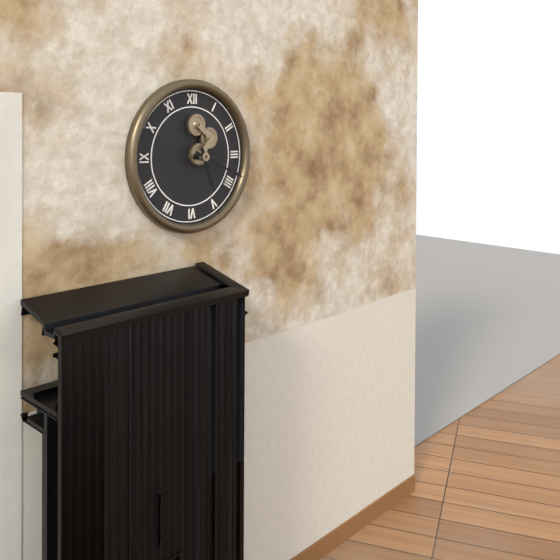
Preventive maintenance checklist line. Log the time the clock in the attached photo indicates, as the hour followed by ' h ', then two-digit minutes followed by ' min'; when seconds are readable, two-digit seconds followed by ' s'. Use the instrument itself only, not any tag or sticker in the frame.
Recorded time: 5 h 19 min
